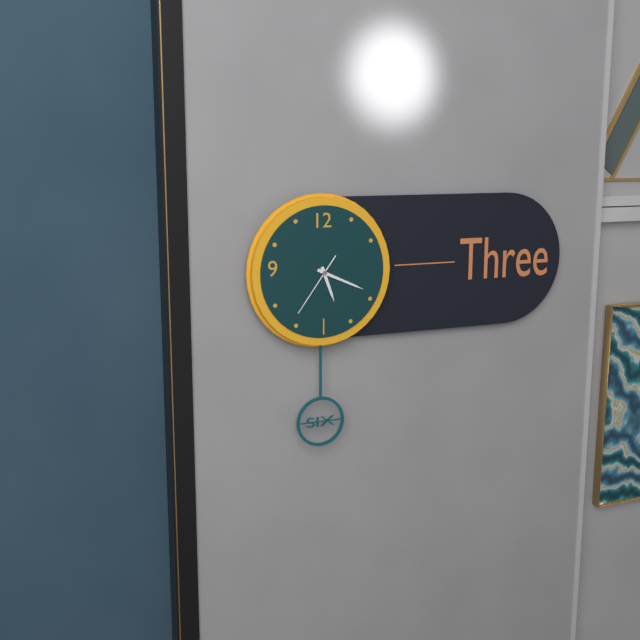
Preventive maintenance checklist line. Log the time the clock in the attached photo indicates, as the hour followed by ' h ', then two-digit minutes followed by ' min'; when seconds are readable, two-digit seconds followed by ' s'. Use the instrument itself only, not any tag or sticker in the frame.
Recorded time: 5 h 19 min 36 s
